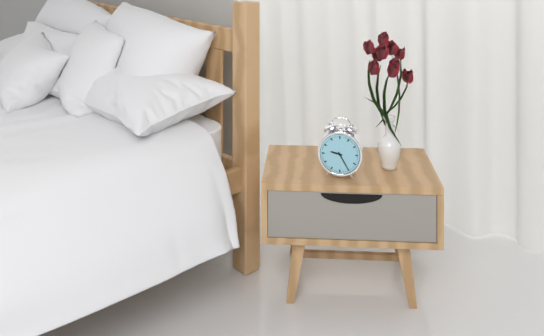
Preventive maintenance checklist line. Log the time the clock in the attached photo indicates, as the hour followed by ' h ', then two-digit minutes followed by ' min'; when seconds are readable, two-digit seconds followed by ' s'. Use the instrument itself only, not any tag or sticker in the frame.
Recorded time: 9 h 25 min
